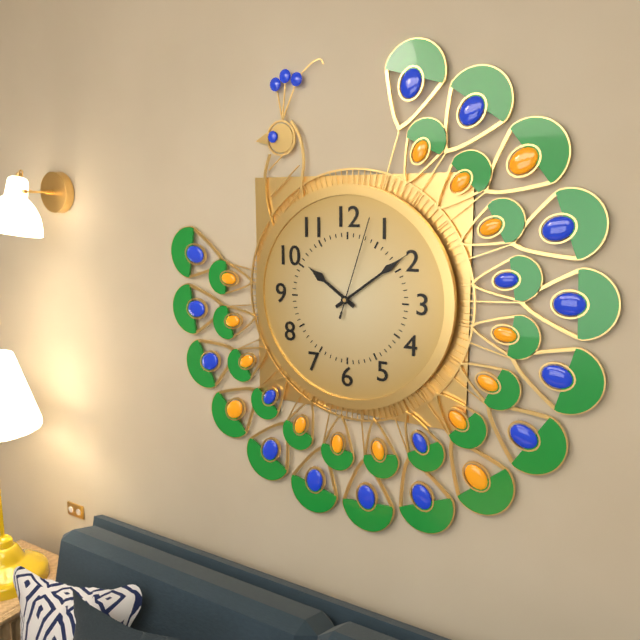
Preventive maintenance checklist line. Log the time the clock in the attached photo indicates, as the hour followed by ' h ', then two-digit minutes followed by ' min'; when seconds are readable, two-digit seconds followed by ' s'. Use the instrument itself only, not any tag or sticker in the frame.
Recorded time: 10 h 09 min 03 s
